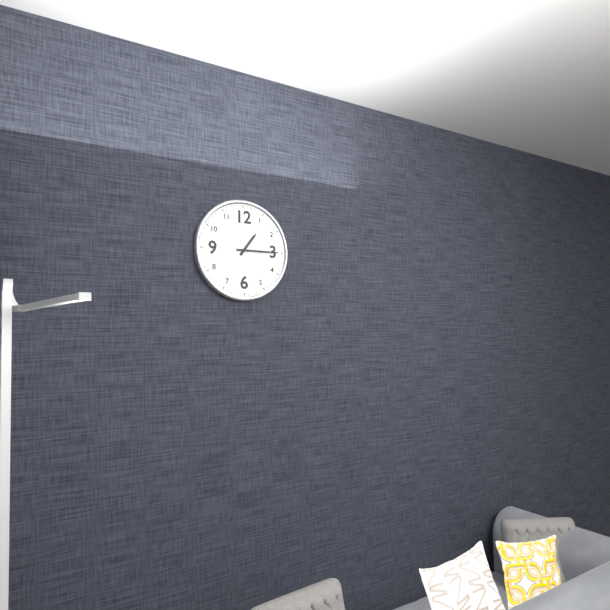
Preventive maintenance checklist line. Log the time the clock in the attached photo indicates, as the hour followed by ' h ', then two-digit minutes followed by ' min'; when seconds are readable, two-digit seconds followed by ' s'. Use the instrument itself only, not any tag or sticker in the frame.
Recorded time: 1 h 15 min
